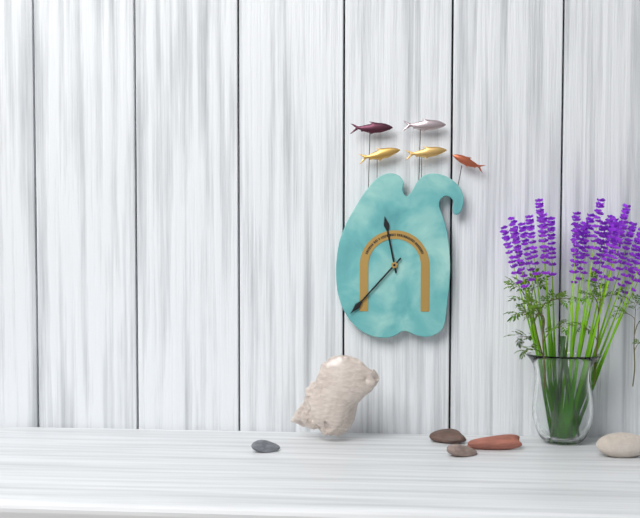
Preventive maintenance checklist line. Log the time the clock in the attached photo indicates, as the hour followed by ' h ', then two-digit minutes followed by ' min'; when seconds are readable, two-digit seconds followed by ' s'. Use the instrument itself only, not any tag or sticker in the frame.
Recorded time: 11 h 37 min
